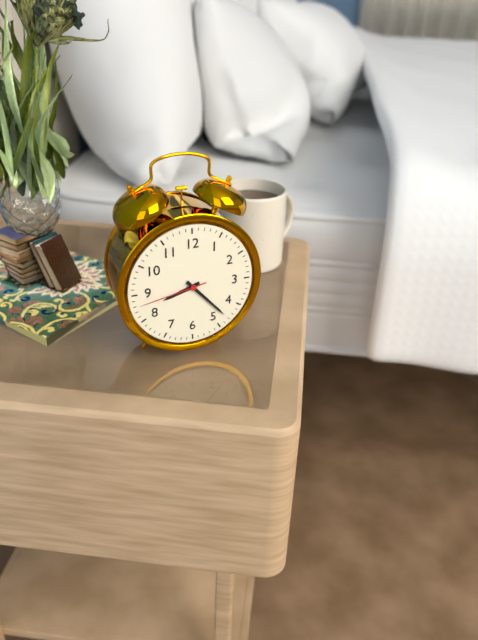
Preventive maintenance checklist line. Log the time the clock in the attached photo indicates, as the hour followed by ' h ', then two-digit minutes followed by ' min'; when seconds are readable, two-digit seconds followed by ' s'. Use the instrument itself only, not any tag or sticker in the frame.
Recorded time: 8 h 23 min 43 s
